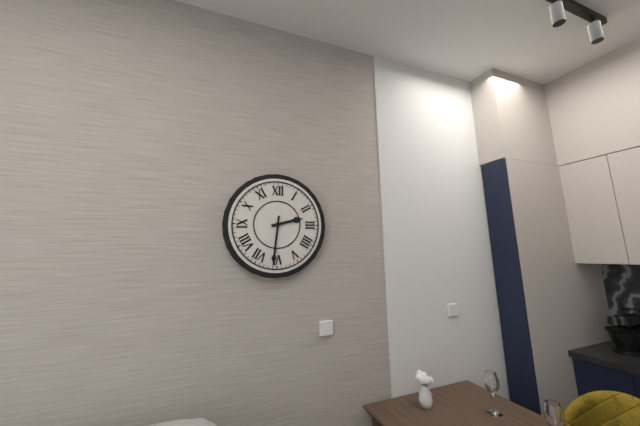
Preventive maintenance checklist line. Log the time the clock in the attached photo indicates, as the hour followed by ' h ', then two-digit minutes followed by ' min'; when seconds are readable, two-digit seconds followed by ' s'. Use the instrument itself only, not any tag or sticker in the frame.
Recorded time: 2 h 31 min
